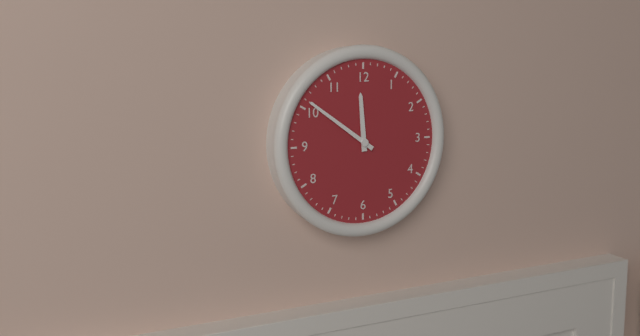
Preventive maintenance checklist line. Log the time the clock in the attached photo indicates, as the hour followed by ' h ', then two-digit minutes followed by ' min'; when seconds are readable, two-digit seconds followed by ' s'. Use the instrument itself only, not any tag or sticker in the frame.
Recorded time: 11 h 51 min
